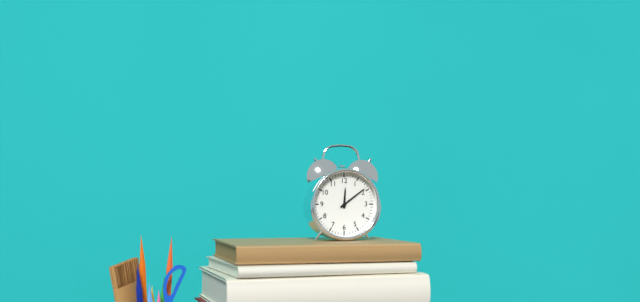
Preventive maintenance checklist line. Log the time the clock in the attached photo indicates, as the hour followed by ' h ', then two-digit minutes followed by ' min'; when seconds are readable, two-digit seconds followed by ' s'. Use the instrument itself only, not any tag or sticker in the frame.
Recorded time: 12 h 09 min
